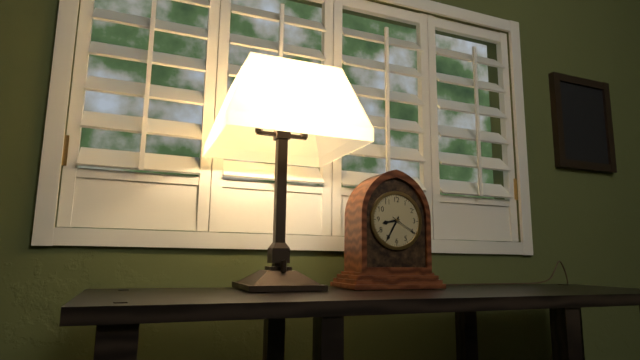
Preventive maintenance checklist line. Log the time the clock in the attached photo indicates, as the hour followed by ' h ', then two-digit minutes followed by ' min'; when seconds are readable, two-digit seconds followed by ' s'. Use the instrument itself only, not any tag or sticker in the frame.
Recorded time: 8 h 35 min
